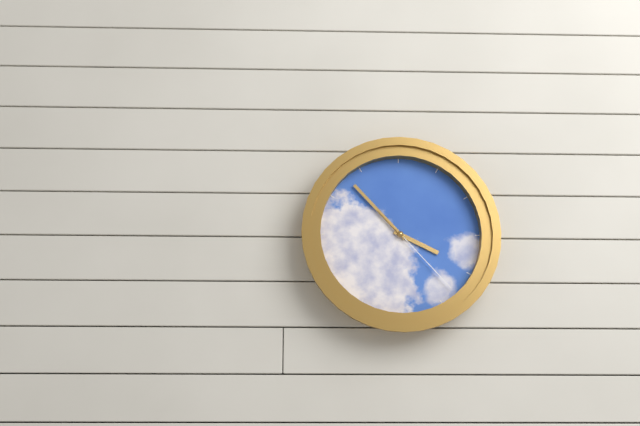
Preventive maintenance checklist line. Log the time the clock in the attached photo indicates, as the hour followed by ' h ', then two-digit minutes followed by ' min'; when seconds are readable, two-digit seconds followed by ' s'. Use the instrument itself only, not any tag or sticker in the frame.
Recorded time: 3 h 53 min 23 s
